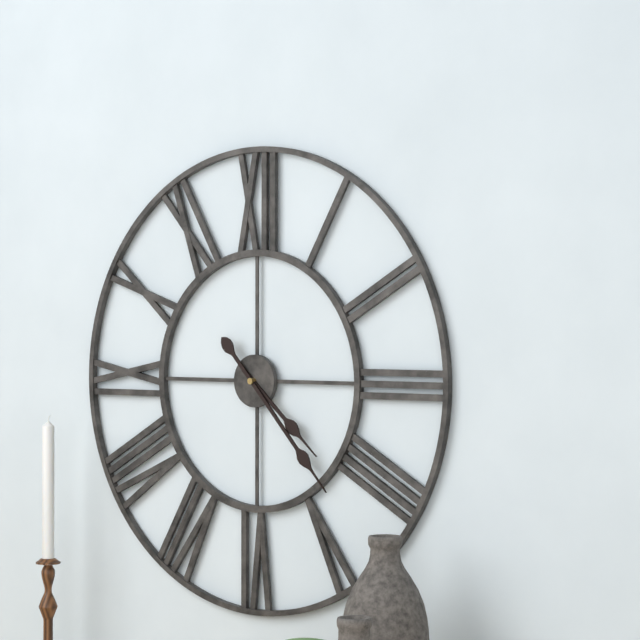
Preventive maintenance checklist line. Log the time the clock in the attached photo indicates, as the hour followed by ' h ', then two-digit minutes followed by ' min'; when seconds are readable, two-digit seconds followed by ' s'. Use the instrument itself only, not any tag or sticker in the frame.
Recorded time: 4 h 23 min
